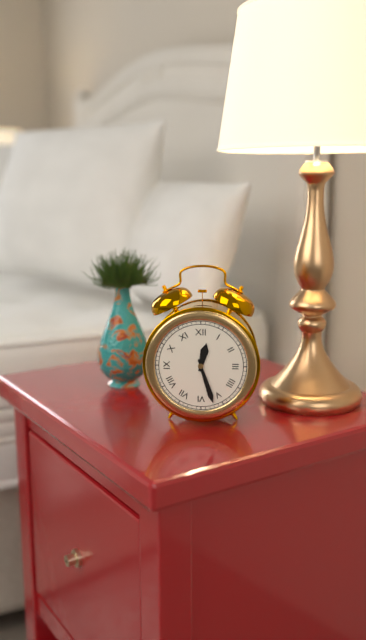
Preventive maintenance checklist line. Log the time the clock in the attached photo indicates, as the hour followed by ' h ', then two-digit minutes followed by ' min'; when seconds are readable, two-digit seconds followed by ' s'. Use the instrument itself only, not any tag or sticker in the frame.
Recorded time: 12 h 27 min
